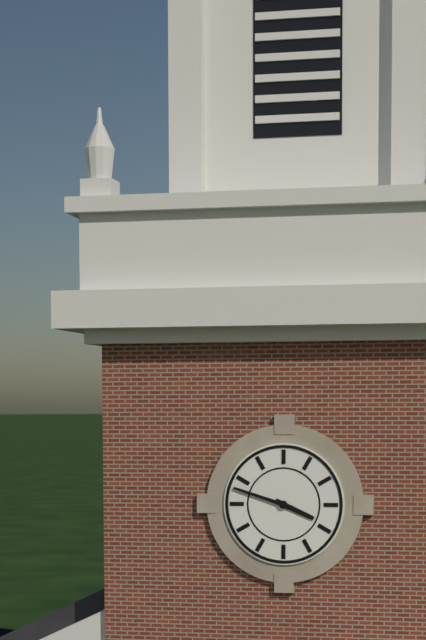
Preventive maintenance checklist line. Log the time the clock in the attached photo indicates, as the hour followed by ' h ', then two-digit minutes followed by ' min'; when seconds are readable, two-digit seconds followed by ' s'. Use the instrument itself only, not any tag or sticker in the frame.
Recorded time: 3 h 48 min
